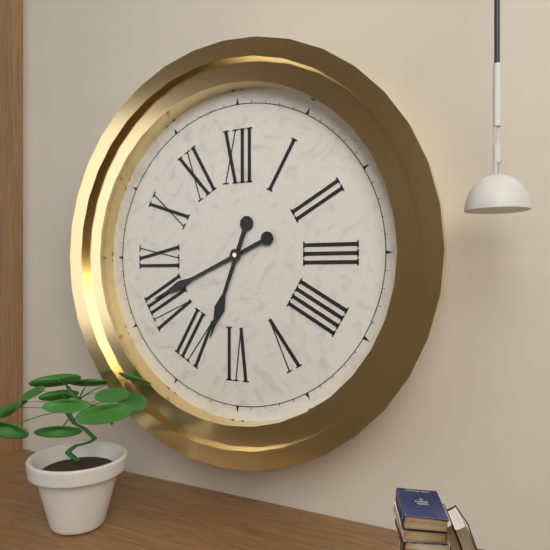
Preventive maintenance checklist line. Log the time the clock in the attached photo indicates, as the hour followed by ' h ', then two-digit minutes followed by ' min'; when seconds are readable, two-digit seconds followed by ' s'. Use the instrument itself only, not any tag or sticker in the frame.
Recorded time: 6 h 41 min
